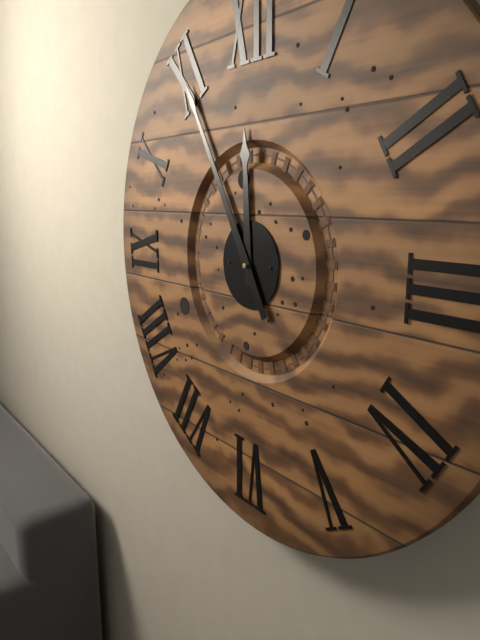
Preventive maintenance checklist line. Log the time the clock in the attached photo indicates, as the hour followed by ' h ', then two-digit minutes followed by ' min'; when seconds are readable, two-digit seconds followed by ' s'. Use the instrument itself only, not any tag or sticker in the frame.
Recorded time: 11 h 55 min
